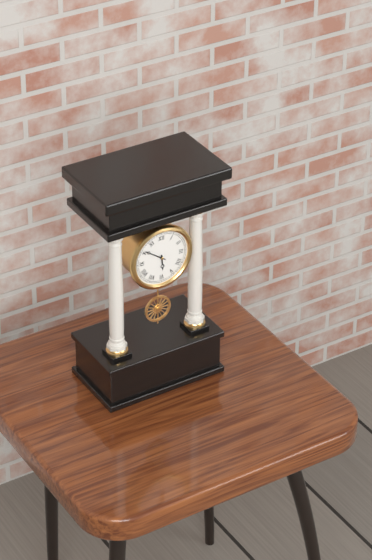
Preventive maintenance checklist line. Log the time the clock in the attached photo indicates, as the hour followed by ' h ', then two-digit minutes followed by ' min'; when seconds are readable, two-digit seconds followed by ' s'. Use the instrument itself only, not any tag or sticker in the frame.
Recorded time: 5 h 51 min
